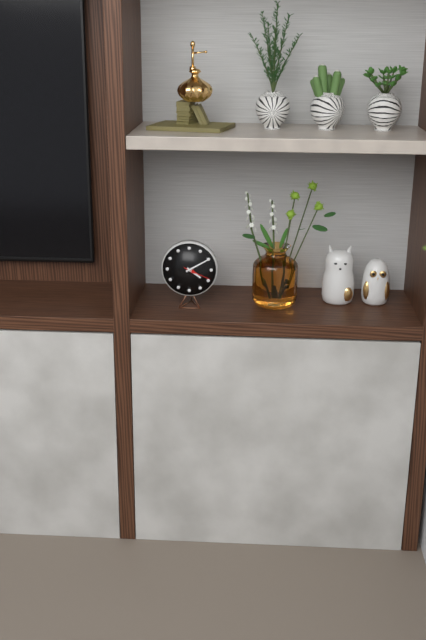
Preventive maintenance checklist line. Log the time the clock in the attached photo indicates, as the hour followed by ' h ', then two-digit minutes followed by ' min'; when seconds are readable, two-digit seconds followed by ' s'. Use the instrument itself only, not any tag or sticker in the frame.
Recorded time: 4 h 10 min
